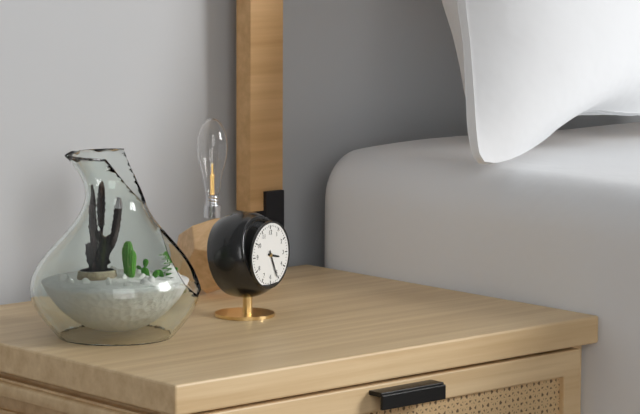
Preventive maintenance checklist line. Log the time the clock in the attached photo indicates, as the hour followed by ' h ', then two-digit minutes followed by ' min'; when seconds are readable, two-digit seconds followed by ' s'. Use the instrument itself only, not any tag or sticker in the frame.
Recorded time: 3 h 26 min
